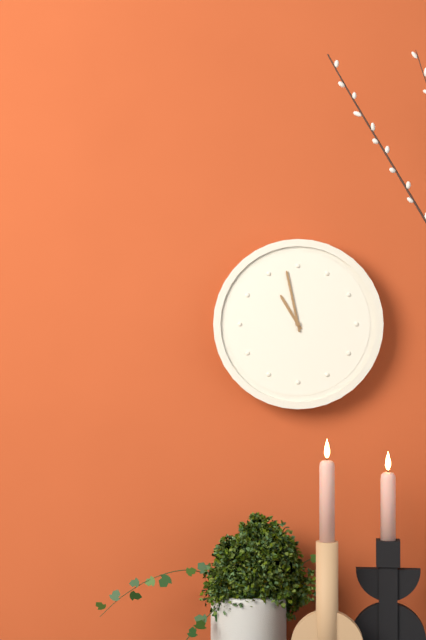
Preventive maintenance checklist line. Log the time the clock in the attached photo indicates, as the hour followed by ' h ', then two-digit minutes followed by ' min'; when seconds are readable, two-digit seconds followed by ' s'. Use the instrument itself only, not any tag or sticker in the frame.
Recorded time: 10 h 58 min
